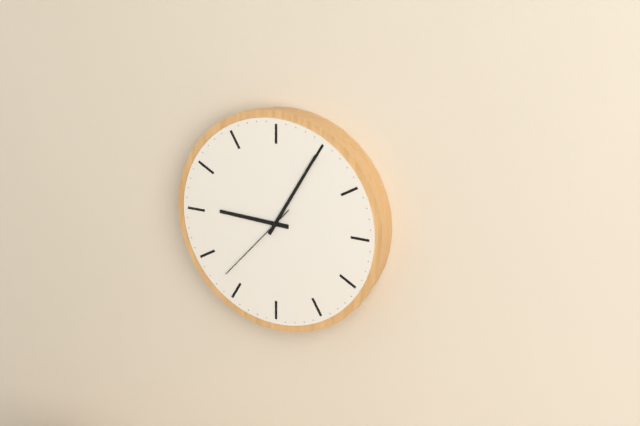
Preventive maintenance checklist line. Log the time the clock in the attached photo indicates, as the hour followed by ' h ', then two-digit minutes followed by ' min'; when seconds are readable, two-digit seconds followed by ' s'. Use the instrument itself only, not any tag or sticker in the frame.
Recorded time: 9 h 05 min 37 s
